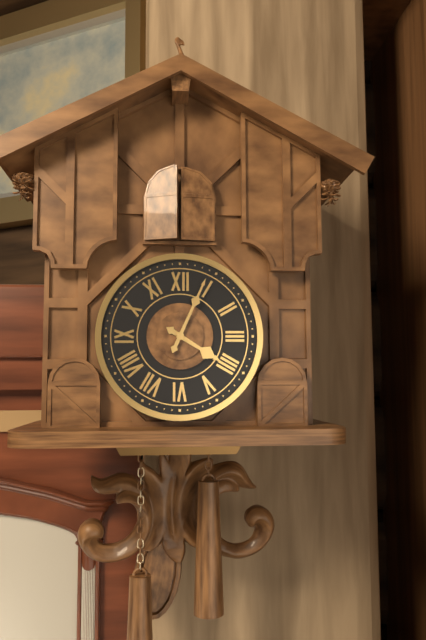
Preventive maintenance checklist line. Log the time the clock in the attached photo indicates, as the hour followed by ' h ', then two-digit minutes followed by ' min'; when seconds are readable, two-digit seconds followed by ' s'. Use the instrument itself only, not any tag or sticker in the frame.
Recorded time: 4 h 04 min
